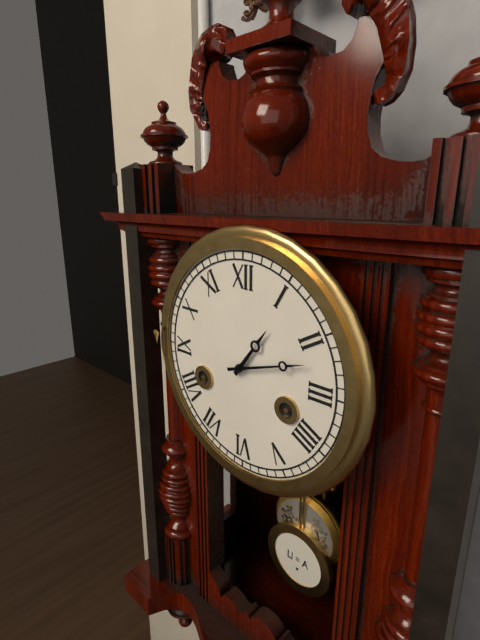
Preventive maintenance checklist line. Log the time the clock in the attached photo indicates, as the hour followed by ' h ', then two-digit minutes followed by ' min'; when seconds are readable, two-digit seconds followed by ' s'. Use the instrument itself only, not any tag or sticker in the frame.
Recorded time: 1 h 12 min
